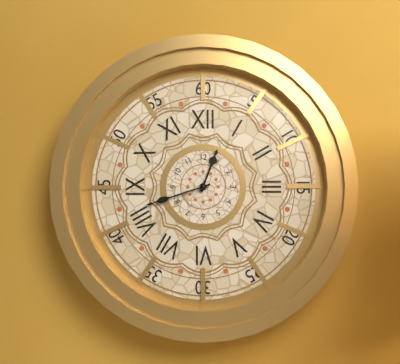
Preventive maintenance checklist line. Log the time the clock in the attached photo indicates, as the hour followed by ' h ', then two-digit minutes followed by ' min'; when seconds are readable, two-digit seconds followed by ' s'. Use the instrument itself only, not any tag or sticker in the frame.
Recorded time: 12 h 42 min
